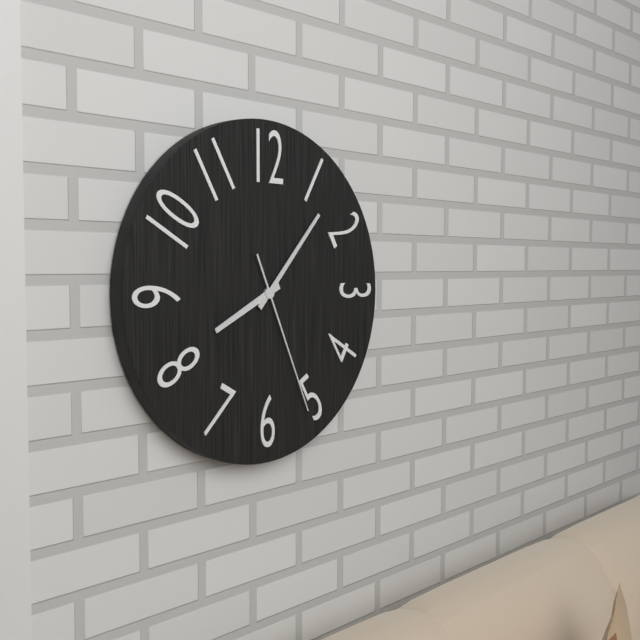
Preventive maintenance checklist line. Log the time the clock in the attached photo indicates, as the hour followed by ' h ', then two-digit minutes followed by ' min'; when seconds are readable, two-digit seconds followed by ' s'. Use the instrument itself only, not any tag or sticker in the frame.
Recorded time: 8 h 07 min 26 s
